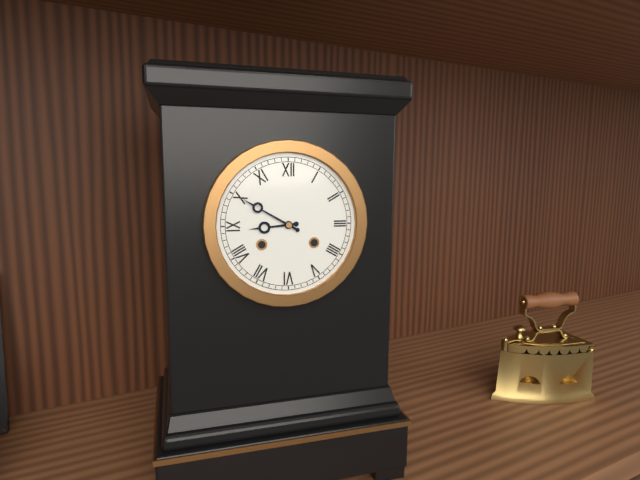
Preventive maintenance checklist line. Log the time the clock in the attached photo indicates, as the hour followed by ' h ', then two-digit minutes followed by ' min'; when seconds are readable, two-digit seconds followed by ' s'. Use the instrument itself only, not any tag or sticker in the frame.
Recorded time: 8 h 50 min
